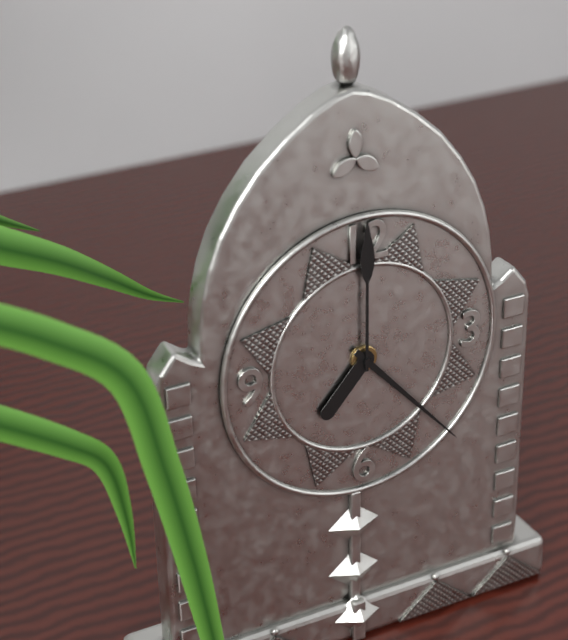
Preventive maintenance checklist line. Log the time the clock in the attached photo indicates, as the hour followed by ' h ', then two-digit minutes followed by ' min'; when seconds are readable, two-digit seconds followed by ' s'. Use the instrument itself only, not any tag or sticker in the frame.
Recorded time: 7 h 23 min 00 s
